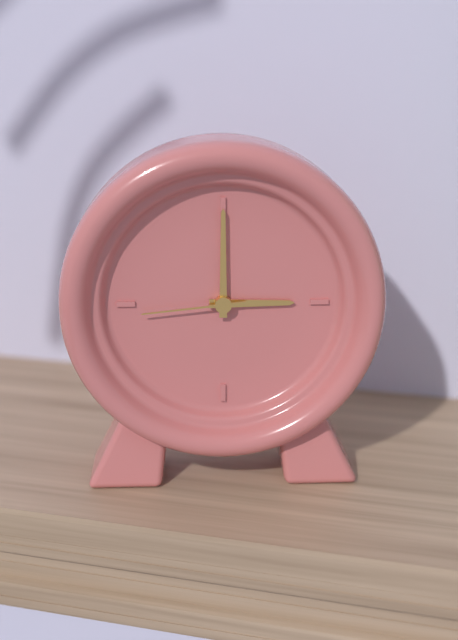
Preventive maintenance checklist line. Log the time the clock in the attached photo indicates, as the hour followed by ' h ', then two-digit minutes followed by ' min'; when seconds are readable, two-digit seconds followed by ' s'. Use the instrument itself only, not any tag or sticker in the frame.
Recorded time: 3 h 00 min 44 s
